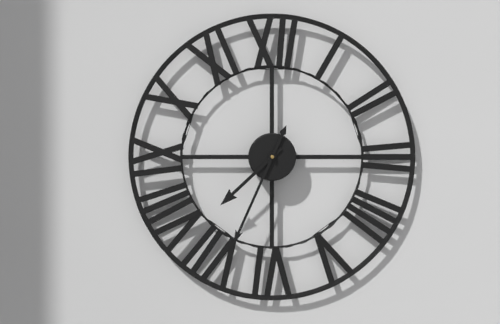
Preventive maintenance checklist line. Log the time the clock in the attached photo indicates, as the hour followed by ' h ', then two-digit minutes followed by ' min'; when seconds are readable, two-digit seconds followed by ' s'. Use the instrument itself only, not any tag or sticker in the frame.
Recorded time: 7 h 34 min
